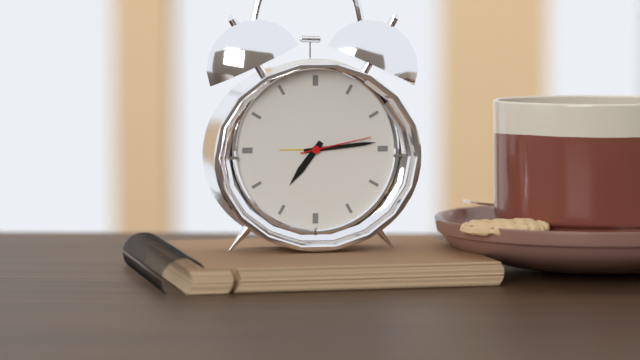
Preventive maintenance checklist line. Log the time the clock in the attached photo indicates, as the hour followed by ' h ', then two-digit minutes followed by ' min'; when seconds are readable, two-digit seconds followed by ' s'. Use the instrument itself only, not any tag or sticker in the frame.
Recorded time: 7 h 14 min 13 s
